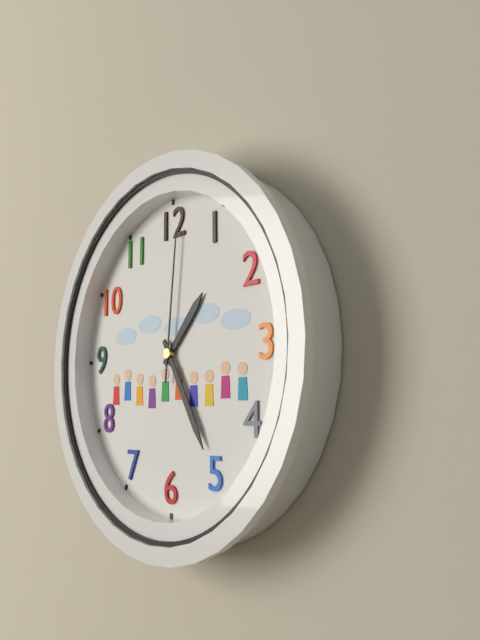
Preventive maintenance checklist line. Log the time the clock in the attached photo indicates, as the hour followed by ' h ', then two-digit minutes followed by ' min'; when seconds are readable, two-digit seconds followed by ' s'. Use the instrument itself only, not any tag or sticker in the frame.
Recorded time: 1 h 25 min 01 s
